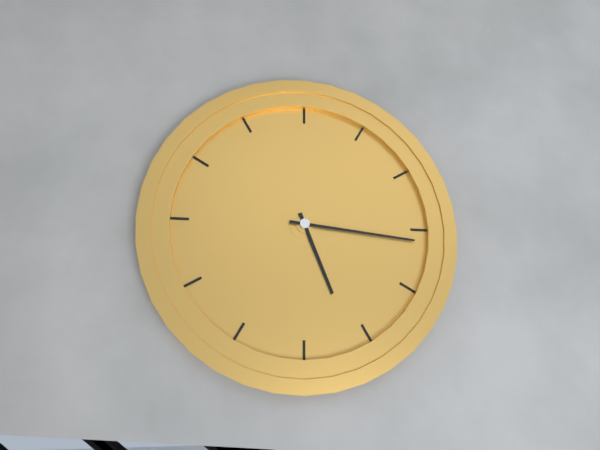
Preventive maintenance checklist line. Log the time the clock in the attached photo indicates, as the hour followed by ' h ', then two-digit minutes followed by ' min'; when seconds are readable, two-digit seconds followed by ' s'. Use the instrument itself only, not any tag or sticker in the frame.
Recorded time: 5 h 16 min
